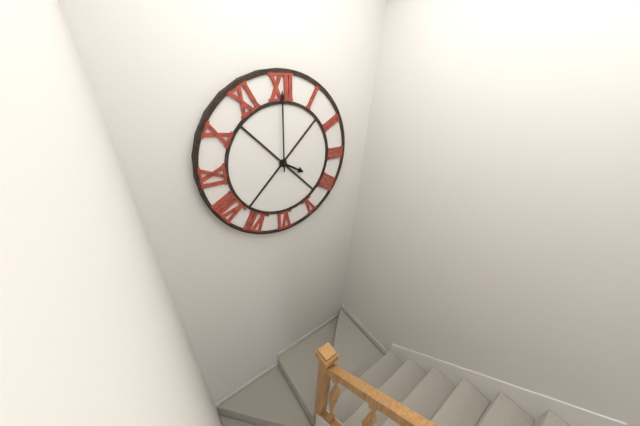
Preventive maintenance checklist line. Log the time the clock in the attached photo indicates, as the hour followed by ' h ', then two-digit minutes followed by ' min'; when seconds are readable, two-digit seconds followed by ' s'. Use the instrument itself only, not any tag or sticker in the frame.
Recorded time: 4 h 00 min
